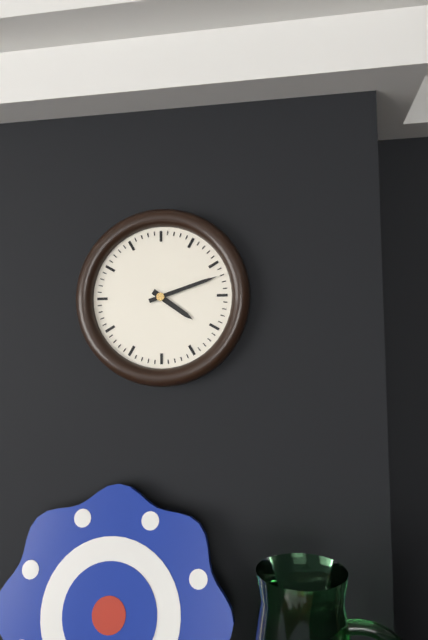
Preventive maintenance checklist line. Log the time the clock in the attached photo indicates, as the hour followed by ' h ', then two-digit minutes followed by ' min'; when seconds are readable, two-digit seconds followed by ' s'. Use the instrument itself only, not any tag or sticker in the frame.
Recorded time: 4 h 12 min
